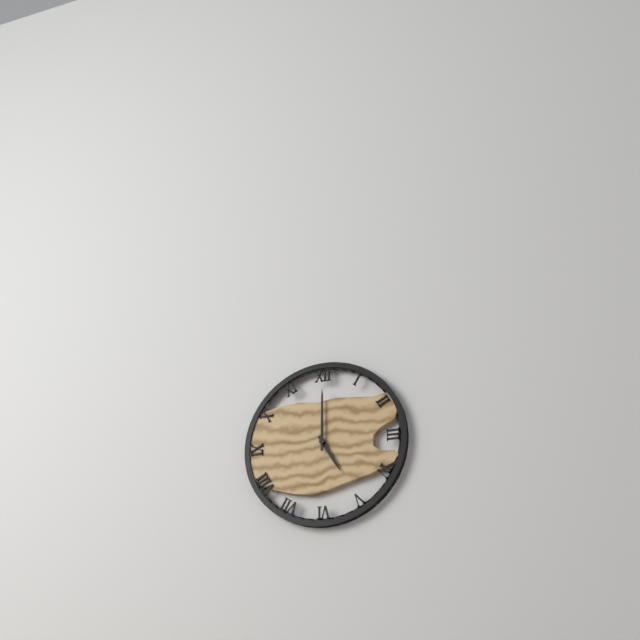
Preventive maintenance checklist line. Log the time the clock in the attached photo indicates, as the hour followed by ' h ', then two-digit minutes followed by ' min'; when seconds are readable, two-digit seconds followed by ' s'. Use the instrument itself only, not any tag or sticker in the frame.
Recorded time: 5 h 00 min
